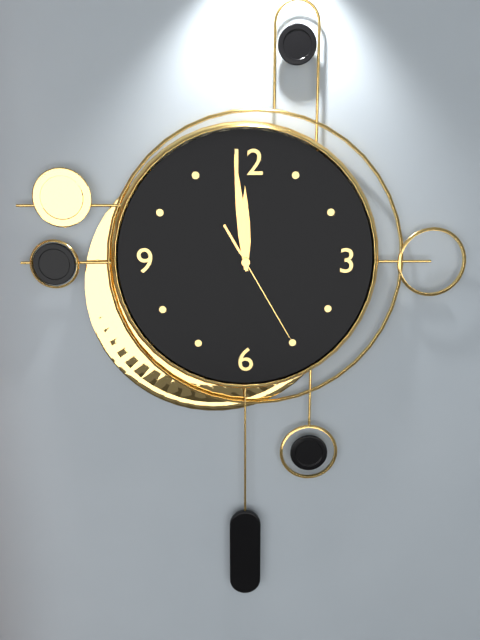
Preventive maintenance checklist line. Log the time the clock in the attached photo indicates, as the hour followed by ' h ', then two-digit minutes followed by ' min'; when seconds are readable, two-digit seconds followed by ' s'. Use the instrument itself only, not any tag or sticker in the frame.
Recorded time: 11 h 59 min 25 s
